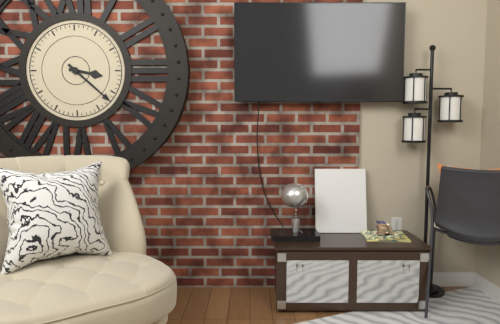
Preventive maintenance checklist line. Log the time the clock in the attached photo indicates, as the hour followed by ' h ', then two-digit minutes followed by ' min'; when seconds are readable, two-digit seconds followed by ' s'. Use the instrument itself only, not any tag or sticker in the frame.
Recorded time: 3 h 22 min
